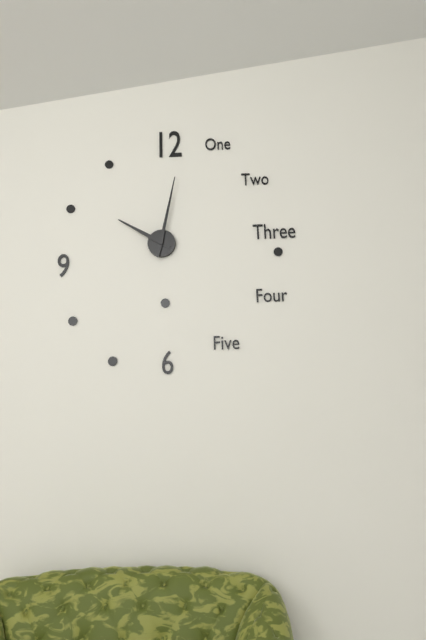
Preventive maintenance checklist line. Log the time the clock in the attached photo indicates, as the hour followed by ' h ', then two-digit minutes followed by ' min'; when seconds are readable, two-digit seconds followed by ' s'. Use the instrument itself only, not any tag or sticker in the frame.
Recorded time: 10 h 02 min
